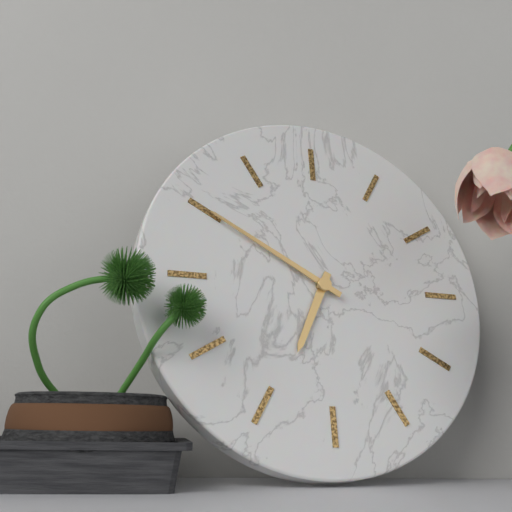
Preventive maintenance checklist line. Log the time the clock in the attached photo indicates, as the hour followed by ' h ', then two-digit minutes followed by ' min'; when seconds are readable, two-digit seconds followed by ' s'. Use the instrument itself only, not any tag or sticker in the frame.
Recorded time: 6 h 50 min
